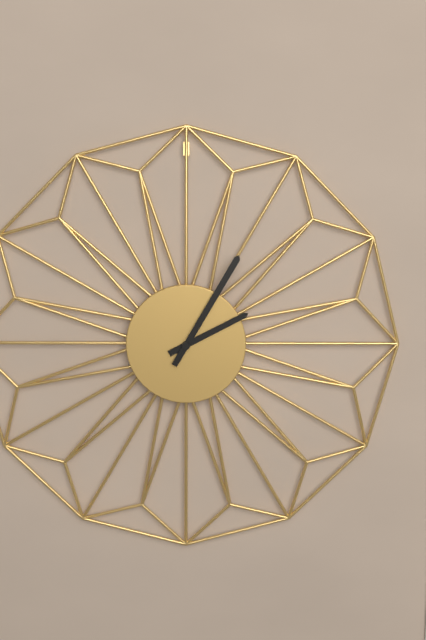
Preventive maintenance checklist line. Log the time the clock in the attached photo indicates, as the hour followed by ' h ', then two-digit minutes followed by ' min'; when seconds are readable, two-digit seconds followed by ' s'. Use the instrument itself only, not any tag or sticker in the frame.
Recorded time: 2 h 05 min
